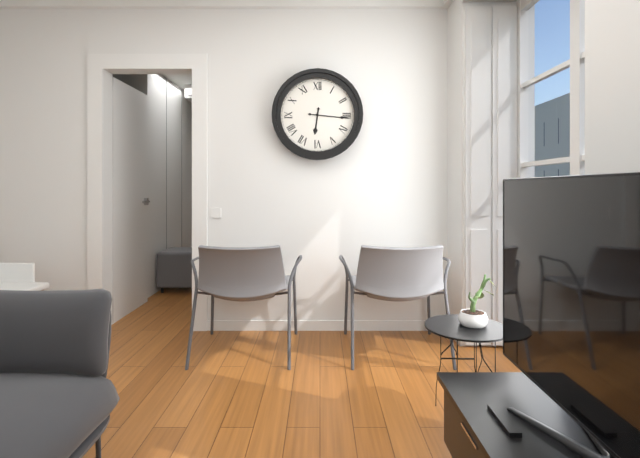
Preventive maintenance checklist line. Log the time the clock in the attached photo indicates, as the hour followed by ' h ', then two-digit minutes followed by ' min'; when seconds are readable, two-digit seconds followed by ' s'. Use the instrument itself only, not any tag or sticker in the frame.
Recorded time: 6 h 16 min
